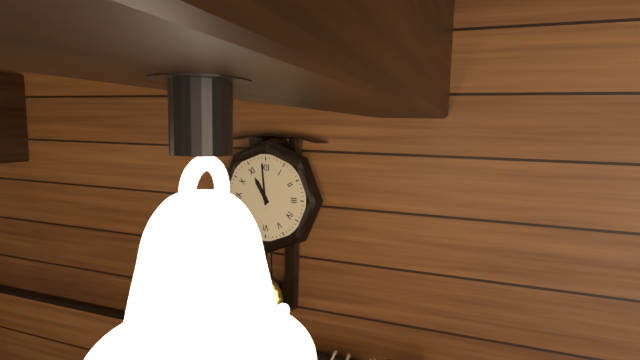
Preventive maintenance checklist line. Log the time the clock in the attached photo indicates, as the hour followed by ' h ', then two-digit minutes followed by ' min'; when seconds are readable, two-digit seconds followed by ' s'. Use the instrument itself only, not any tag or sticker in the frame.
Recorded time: 10 h 59 min
